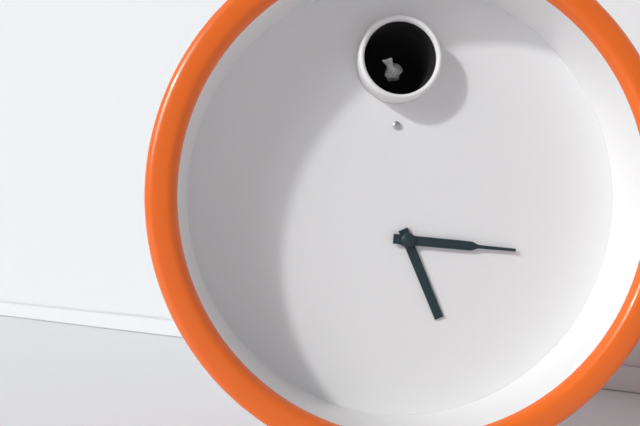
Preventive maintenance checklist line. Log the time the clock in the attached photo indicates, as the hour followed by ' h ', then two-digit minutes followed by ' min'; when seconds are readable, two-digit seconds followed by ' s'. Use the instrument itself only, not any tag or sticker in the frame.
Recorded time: 5 h 16 min
